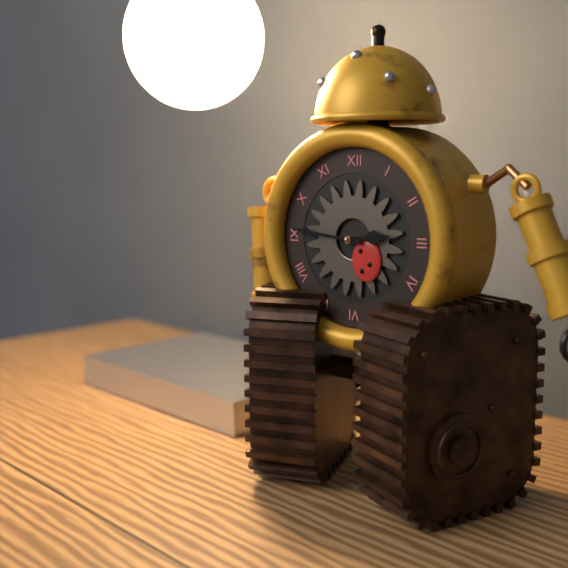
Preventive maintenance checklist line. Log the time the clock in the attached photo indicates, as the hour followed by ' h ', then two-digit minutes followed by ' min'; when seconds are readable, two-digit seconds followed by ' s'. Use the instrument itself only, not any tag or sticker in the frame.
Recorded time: 2 h 46 min
